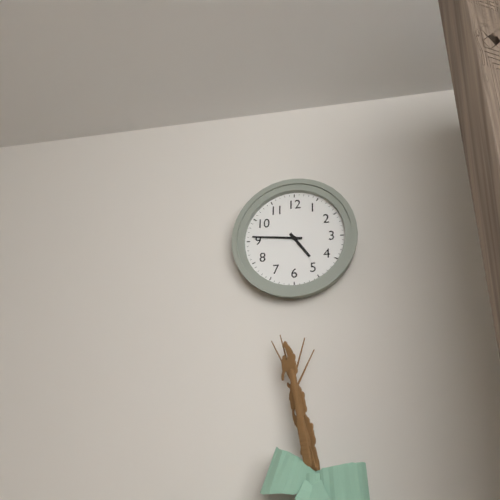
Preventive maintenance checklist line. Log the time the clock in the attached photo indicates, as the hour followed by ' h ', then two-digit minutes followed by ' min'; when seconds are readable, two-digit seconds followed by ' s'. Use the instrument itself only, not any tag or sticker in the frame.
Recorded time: 4 h 46 min
